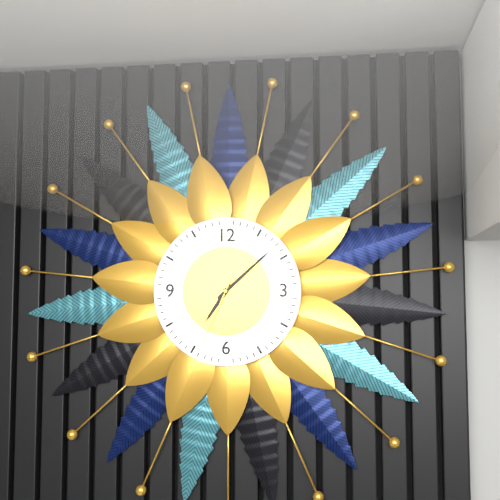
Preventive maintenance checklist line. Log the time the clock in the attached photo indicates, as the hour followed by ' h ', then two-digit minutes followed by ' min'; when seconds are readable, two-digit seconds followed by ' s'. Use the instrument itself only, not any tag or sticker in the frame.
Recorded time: 7 h 08 min 34 s
